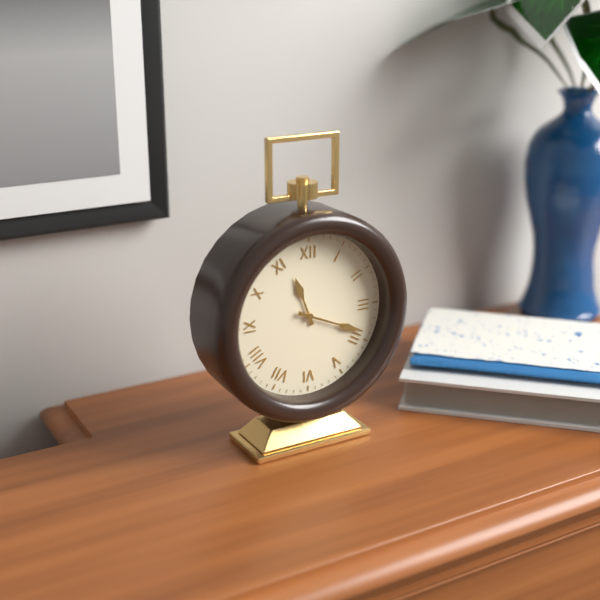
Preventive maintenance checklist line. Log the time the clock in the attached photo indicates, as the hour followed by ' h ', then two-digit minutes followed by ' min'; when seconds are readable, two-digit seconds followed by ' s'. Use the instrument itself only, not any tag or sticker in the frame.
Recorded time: 11 h 19 min
